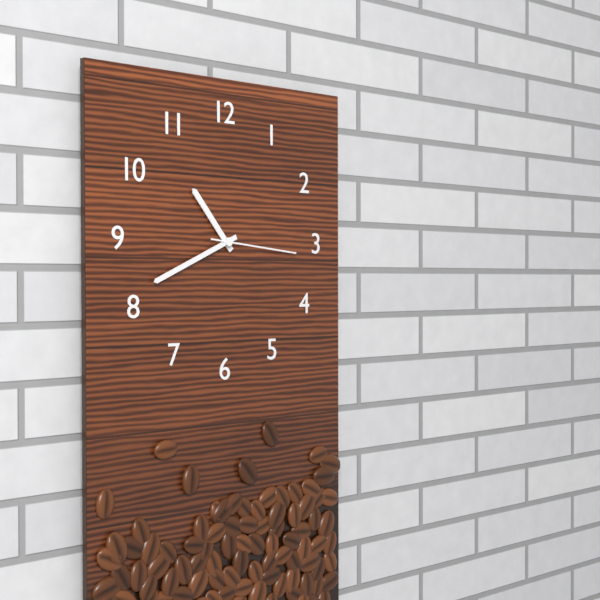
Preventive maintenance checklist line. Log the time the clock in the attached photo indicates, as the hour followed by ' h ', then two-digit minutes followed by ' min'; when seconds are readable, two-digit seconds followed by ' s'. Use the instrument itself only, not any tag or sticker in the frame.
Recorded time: 10 h 41 min 16 s
